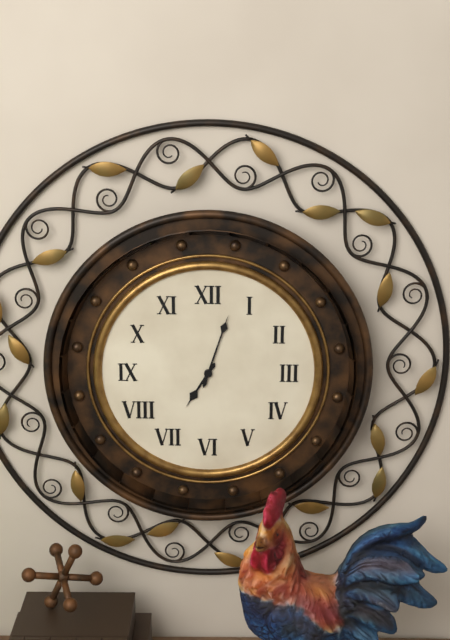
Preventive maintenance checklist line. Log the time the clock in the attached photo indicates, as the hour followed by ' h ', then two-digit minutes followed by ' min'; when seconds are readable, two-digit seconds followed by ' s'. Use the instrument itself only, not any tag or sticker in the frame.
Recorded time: 7 h 03 min
